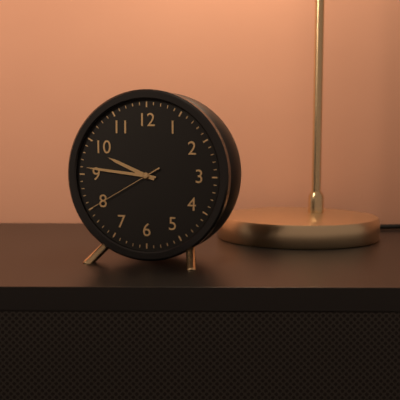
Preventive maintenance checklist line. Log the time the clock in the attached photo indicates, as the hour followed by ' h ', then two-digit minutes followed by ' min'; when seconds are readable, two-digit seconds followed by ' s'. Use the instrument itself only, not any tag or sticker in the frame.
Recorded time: 9 h 46 min 40 s
